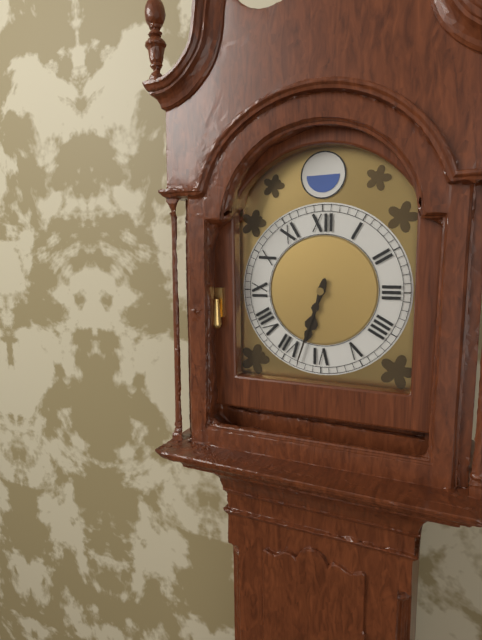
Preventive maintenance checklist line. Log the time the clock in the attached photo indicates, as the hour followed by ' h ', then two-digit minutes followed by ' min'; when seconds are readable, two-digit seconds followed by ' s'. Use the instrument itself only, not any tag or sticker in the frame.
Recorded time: 6 h 33 min
